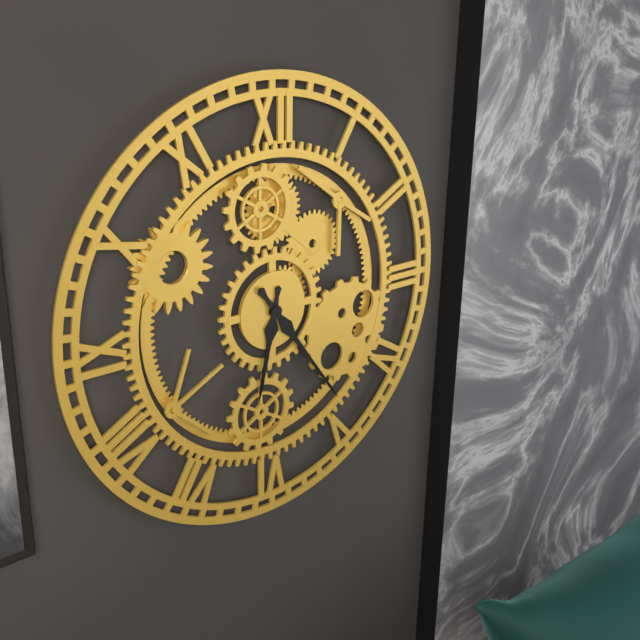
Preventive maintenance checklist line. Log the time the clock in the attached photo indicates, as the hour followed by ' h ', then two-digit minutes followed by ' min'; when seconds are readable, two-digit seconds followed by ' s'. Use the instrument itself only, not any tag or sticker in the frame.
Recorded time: 6 h 24 min
